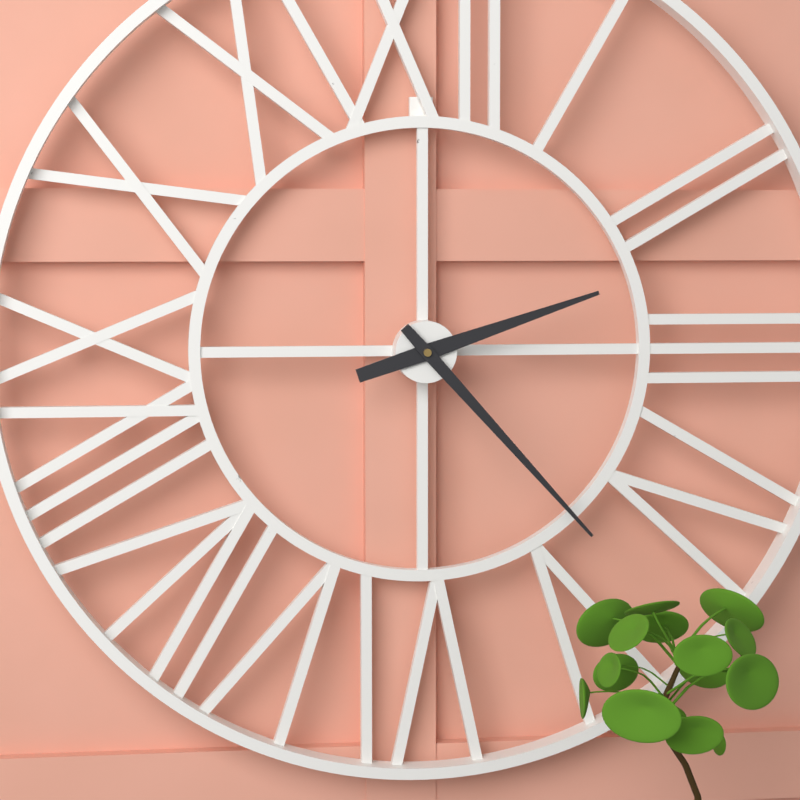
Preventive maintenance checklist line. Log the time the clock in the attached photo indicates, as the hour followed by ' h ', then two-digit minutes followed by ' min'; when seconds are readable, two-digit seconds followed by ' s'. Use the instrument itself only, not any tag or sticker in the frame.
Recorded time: 2 h 23 min
